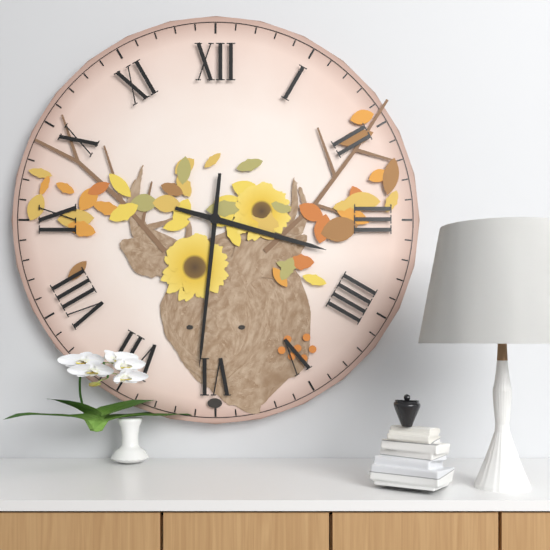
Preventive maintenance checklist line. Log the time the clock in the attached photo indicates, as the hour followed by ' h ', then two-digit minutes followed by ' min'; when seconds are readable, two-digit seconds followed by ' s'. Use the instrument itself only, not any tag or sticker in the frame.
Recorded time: 3 h 31 min
